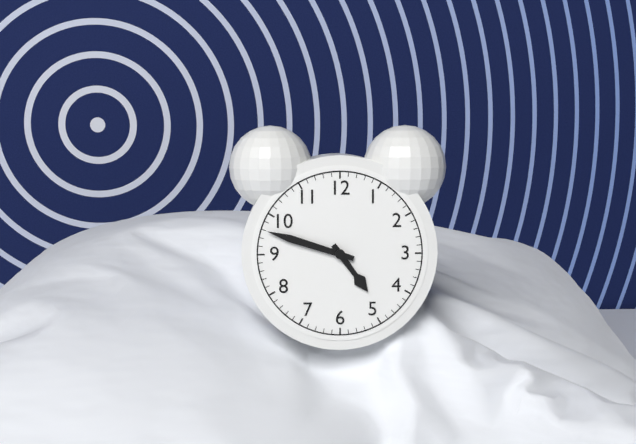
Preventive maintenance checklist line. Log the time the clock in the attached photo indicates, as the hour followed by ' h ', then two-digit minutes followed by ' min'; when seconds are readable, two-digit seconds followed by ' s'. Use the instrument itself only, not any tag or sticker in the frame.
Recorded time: 4 h 48 min
